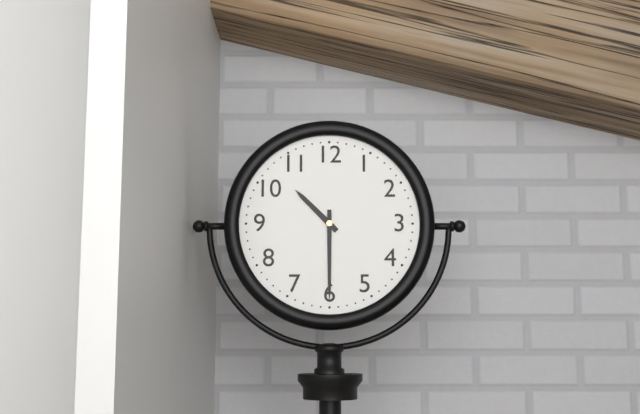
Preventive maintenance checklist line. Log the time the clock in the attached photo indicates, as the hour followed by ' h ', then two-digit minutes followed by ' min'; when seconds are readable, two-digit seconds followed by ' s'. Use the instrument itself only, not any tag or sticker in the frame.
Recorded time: 10 h 30 min
